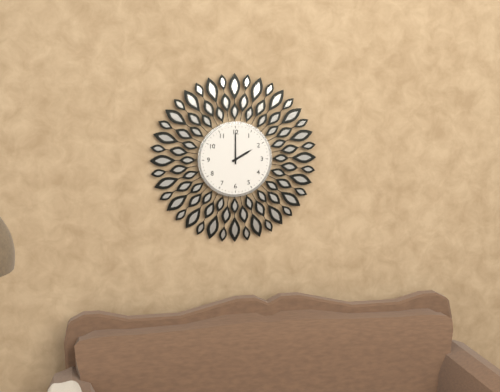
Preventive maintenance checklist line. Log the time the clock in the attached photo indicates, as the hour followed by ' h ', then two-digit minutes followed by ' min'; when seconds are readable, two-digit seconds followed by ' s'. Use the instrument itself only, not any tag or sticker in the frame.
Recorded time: 2 h 00 min
